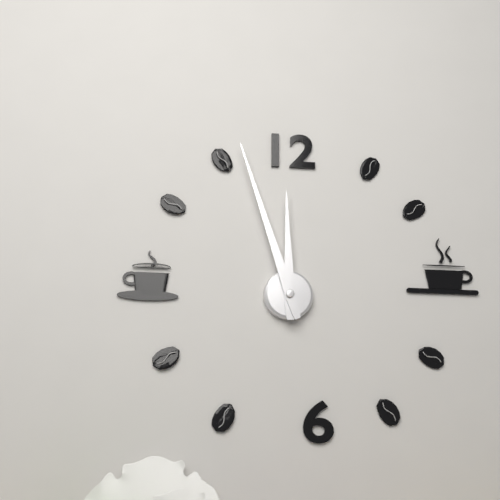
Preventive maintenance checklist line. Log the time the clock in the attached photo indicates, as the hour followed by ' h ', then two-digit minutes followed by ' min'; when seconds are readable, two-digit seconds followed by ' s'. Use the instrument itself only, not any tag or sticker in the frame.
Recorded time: 11 h 57 min
